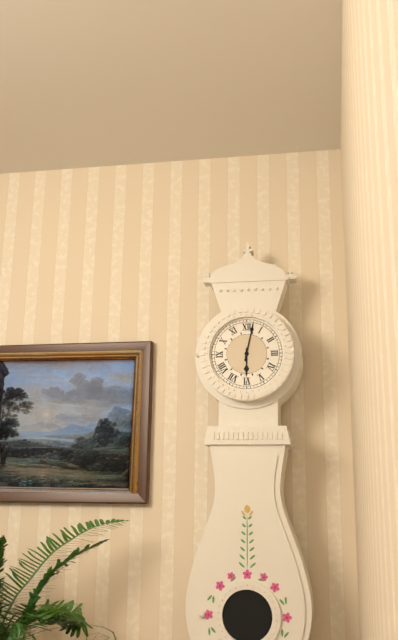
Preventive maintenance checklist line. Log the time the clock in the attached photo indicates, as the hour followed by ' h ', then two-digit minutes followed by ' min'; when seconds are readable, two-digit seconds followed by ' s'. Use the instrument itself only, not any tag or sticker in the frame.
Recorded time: 6 h 02 min
